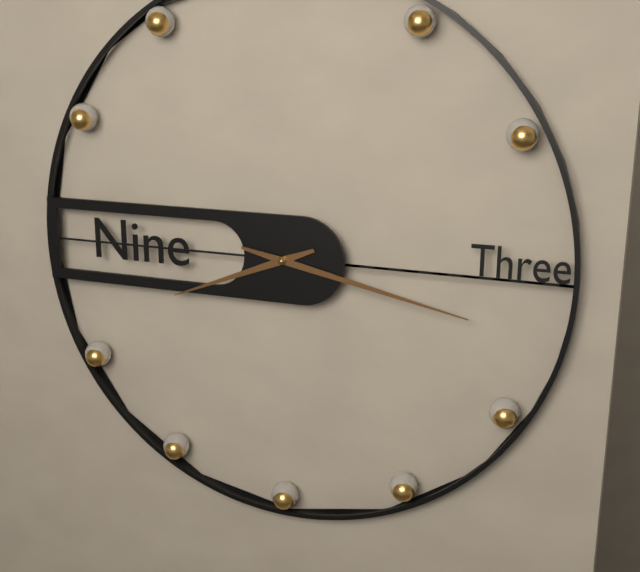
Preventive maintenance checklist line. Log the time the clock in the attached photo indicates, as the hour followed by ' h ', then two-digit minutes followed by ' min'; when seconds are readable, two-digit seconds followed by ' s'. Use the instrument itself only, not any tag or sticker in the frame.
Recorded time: 8 h 17 min
